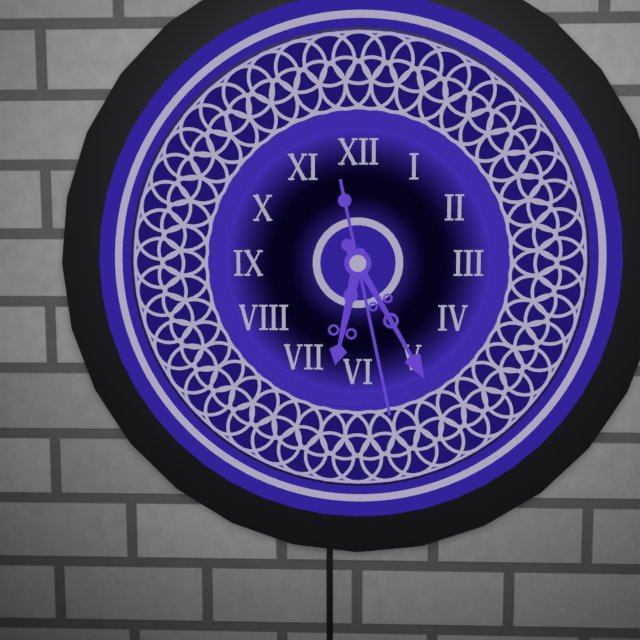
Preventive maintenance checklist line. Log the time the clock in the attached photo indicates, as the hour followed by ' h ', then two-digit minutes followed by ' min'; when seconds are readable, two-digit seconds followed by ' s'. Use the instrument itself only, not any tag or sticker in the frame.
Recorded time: 6 h 25 min 28 s
